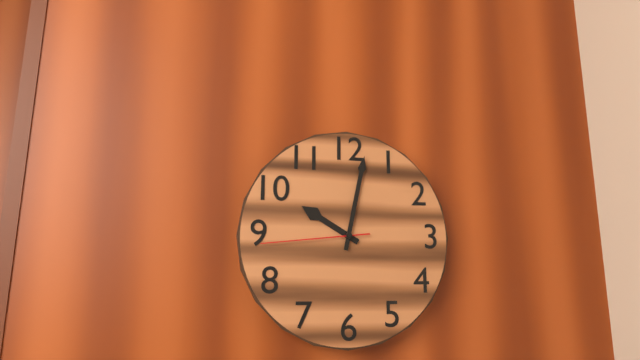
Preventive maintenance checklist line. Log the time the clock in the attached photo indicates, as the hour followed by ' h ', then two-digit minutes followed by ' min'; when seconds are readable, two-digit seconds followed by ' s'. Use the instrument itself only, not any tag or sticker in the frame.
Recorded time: 10 h 02 min 44 s
